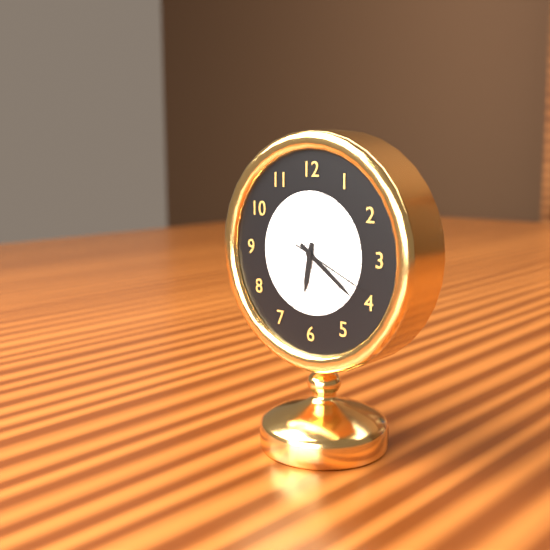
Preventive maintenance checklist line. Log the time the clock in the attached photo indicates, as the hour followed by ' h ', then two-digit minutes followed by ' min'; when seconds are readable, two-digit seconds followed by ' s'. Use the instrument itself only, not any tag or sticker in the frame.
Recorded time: 6 h 21 min 19 s
